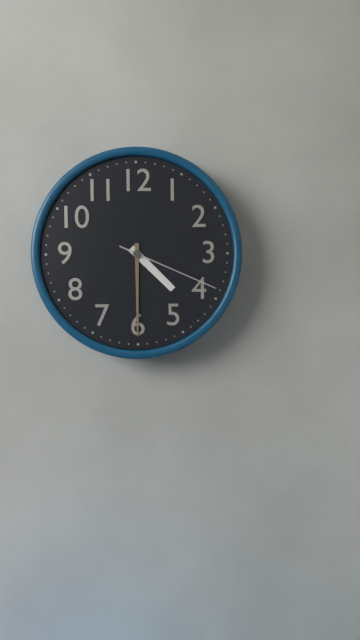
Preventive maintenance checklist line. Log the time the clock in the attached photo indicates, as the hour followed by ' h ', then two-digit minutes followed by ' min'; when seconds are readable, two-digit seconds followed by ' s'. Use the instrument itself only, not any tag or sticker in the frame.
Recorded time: 4 h 30 min 19 s
